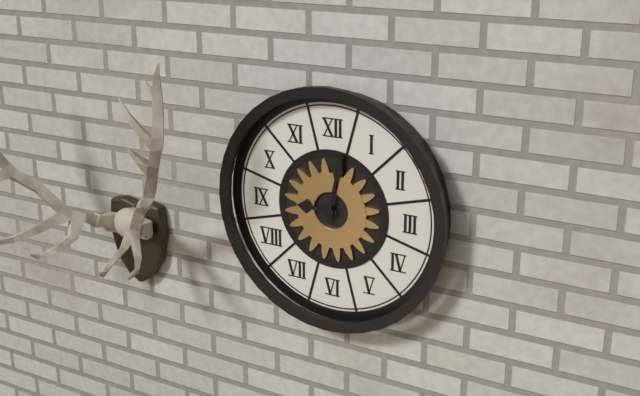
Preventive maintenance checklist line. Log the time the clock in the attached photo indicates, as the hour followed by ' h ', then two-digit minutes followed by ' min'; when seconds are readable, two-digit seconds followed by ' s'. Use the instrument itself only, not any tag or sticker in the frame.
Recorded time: 9 h 02 min
